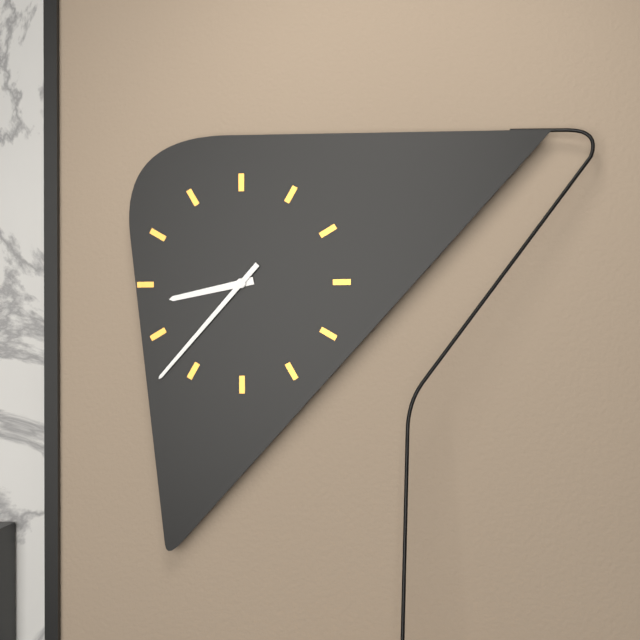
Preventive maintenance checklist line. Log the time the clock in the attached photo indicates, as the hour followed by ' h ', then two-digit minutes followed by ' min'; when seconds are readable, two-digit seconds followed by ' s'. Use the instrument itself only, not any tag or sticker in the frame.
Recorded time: 8 h 37 min
